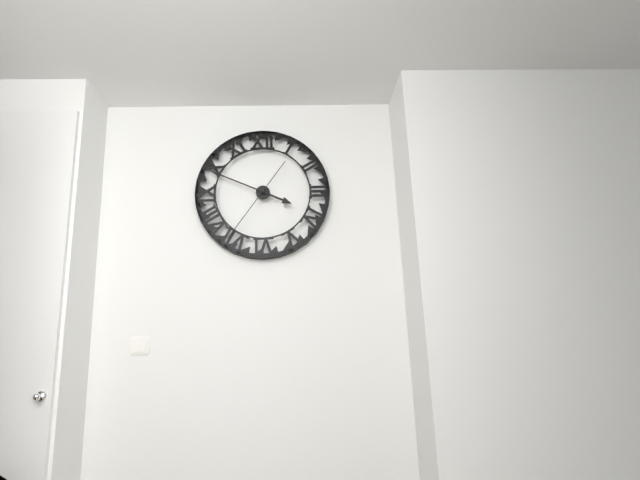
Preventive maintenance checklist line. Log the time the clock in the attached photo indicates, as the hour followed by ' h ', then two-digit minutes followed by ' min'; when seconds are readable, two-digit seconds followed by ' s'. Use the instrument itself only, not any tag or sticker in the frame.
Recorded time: 3 h 49 min 36 s
